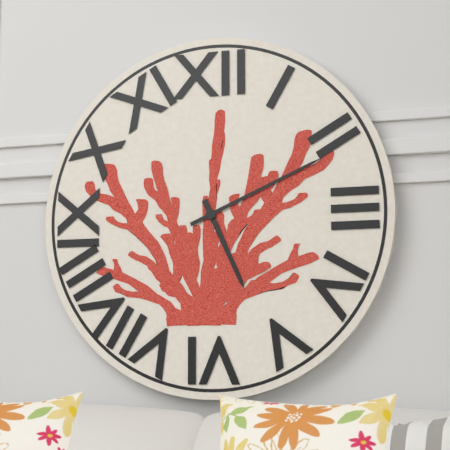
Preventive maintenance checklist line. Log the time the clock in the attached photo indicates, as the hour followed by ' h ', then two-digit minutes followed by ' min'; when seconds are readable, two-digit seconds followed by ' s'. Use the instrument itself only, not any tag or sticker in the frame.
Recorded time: 5 h 11 min
